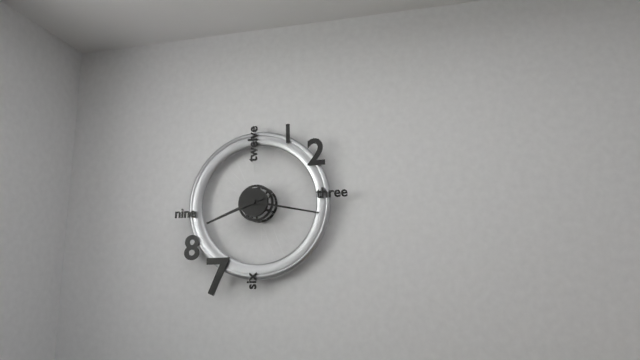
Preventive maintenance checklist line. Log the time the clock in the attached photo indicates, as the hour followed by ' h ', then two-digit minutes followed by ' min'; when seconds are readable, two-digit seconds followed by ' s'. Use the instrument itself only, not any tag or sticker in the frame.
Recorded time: 8 h 17 min
